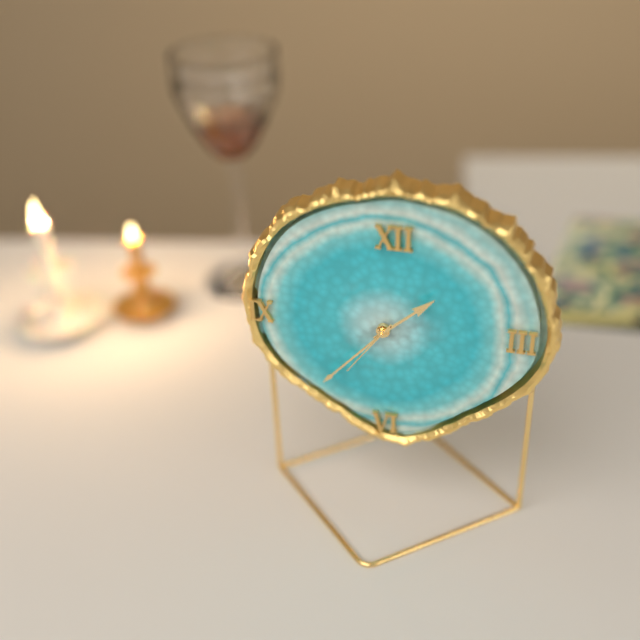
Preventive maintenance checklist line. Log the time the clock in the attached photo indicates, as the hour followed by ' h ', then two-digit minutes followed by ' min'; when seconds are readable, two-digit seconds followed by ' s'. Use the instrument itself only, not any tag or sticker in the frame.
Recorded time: 1 h 37 min 36 s
